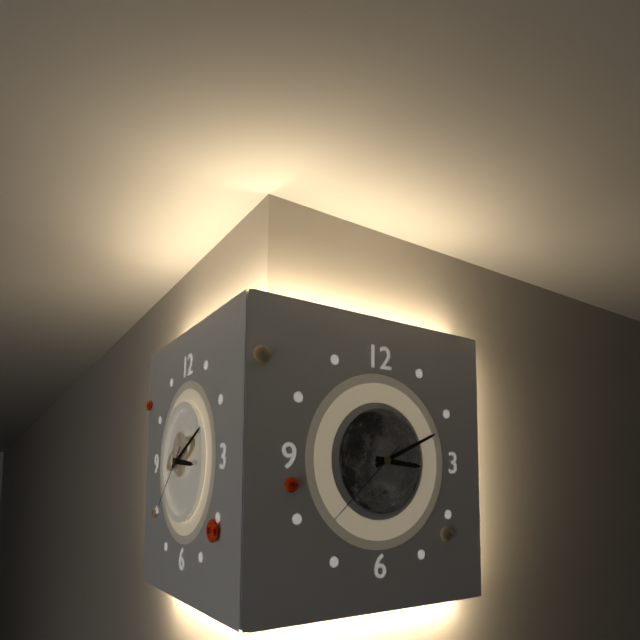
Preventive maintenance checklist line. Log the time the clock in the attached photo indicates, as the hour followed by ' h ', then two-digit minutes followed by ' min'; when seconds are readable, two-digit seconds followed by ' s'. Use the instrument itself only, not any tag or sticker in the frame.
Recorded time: 3 h 11 min 38 s
